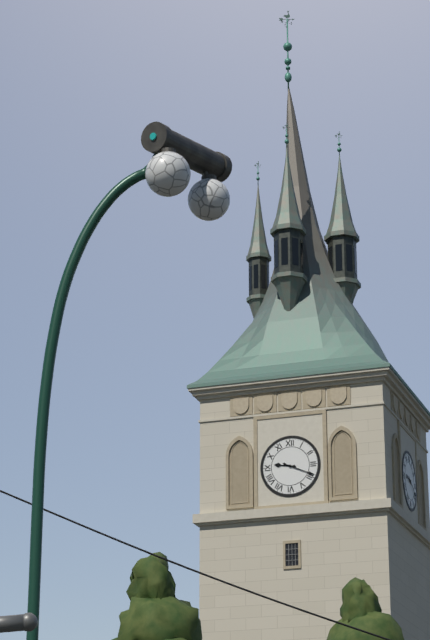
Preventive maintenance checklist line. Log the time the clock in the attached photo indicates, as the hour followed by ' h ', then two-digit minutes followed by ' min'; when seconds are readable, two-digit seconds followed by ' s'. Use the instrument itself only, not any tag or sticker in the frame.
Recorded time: 9 h 19 min
